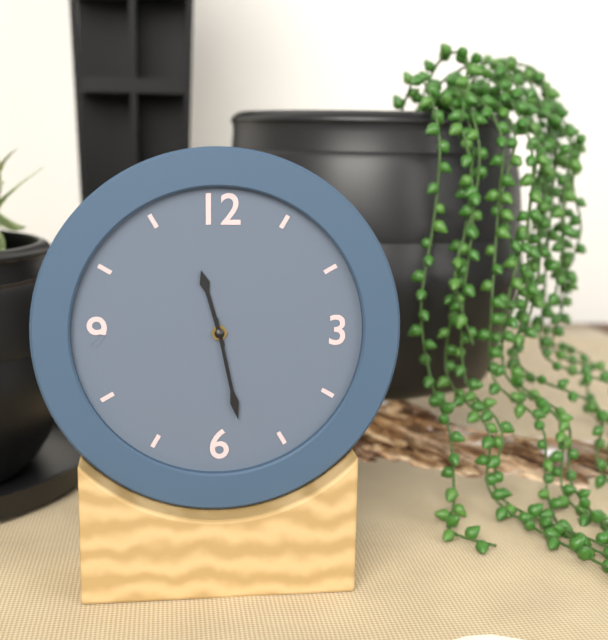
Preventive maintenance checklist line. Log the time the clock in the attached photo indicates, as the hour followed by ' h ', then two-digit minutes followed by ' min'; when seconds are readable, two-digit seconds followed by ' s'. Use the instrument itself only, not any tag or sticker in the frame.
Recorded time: 11 h 28 min
